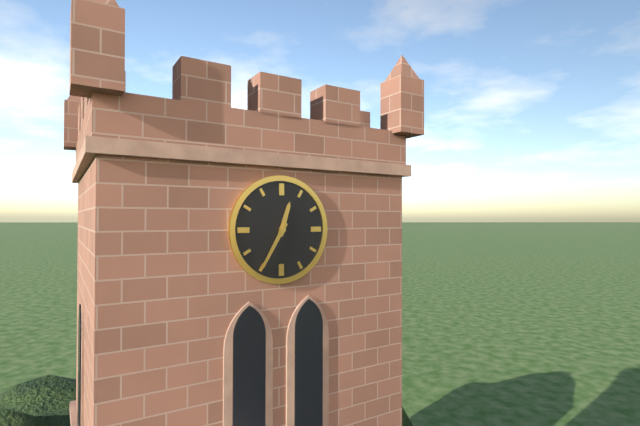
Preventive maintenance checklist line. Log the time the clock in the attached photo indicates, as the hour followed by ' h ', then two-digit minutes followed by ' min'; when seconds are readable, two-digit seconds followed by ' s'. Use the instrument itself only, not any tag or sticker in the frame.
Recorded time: 12 h 35 min
